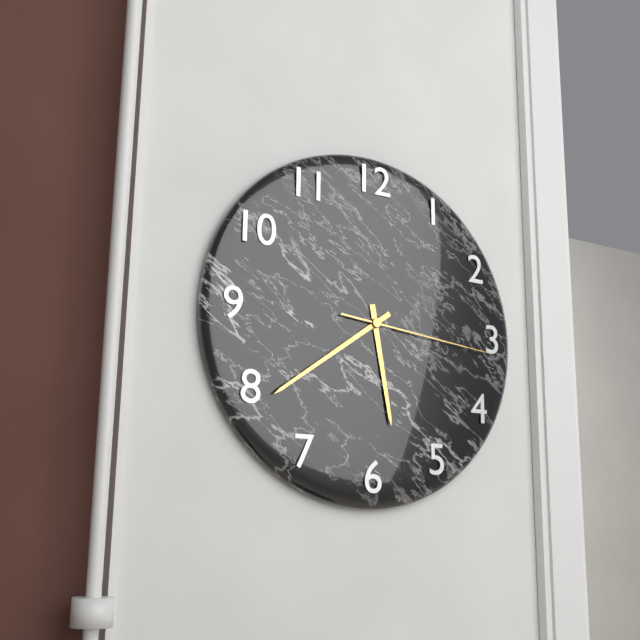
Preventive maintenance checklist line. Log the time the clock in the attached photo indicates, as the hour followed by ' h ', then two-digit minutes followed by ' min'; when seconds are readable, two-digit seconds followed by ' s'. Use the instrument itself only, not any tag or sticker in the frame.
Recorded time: 5 h 39 min 16 s
